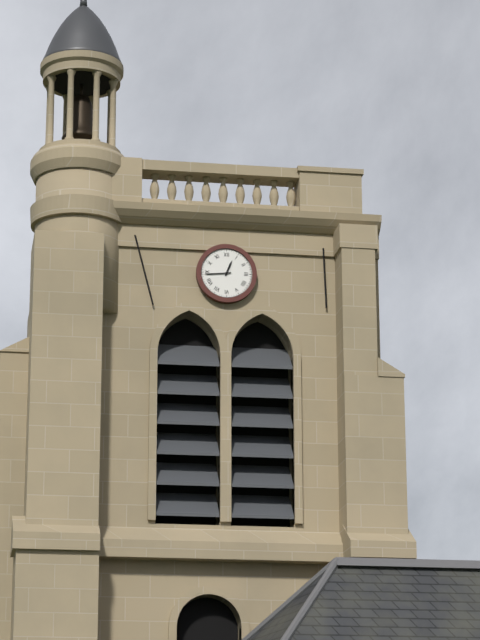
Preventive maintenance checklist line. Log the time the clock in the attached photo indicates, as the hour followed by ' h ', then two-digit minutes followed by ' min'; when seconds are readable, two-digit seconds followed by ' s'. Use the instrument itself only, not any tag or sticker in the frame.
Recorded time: 12 h 44 min
